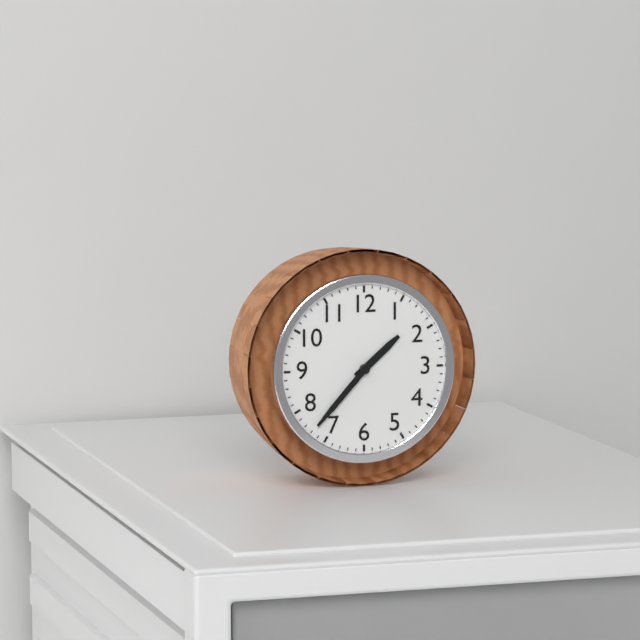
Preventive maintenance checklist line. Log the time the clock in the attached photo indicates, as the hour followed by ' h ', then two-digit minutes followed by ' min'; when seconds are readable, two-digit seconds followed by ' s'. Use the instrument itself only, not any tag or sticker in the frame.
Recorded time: 1 h 37 min
